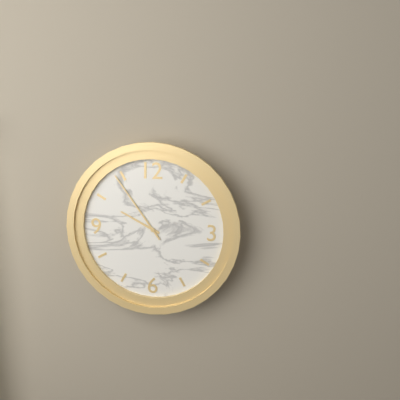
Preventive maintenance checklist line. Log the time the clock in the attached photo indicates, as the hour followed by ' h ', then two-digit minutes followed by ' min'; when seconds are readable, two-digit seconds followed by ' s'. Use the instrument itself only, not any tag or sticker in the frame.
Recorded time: 9 h 54 min
